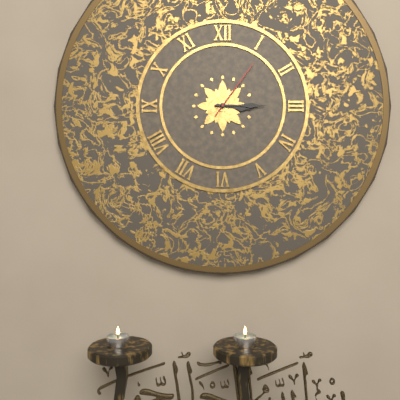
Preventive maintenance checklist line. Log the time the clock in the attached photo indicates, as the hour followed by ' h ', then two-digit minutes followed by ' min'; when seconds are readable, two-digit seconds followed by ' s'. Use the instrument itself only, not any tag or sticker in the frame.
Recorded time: 3 h 15 min 06 s
